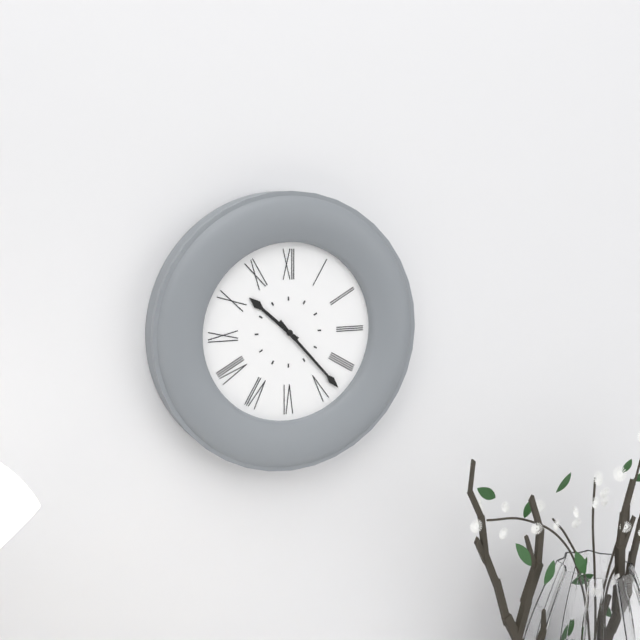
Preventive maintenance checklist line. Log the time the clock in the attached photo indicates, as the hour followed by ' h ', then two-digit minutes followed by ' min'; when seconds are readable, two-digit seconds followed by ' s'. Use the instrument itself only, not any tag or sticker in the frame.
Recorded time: 10 h 23 min
